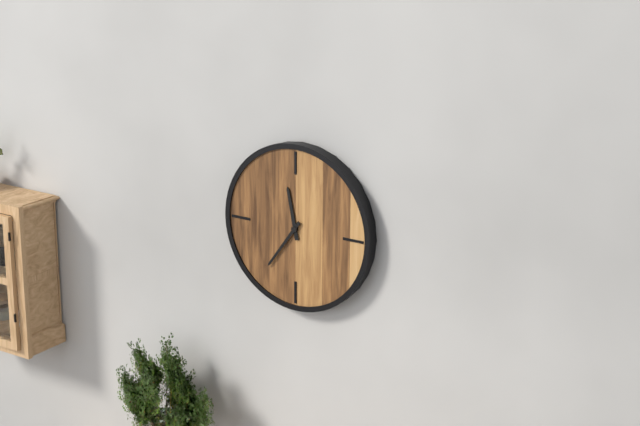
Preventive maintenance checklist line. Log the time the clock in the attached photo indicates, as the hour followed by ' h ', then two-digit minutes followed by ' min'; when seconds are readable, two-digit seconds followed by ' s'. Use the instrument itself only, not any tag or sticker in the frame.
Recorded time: 11 h 36 min
